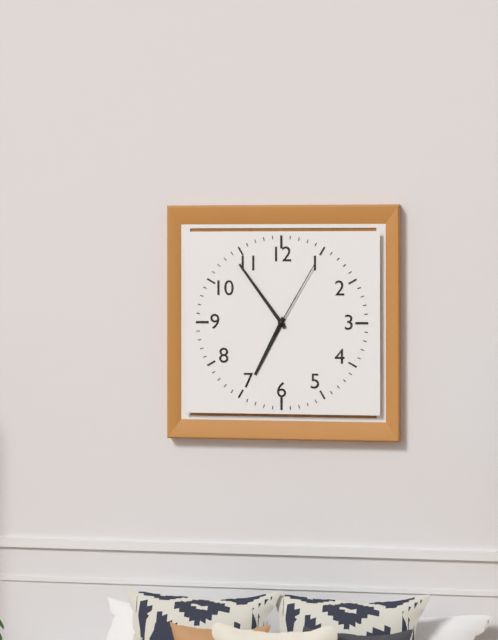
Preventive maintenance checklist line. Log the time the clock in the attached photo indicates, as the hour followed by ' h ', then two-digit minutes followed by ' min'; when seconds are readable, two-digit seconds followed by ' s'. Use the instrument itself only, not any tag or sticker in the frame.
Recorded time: 6 h 54 min 05 s
